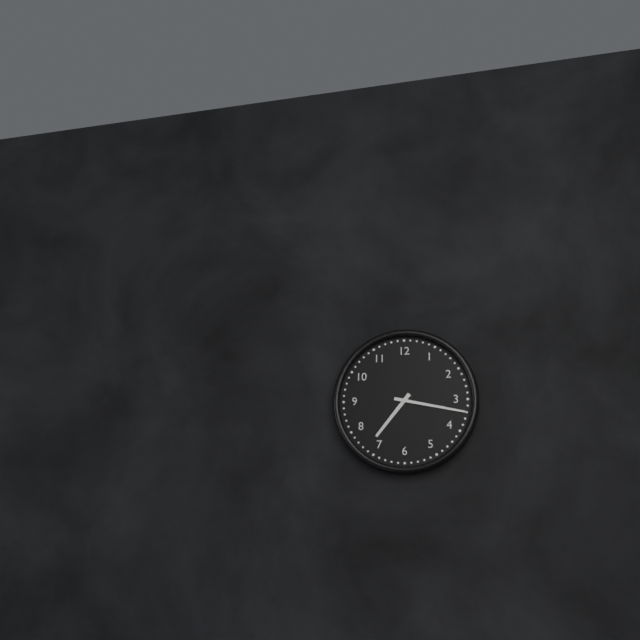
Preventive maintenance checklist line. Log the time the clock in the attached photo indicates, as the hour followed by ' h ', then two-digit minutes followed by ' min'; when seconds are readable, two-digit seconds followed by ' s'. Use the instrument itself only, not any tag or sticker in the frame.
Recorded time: 7 h 17 min
